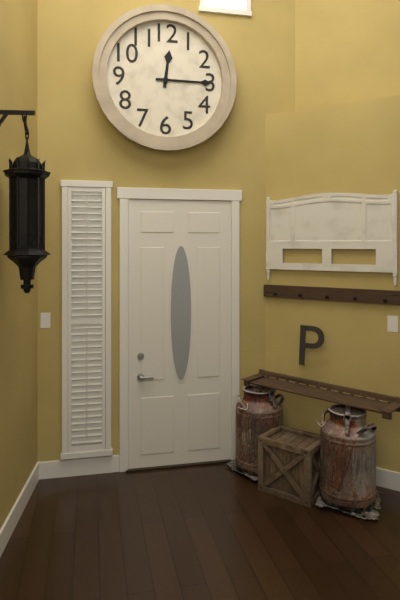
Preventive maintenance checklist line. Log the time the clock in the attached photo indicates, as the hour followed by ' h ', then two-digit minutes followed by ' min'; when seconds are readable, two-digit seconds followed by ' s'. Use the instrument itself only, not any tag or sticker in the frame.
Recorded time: 12 h 15 min
